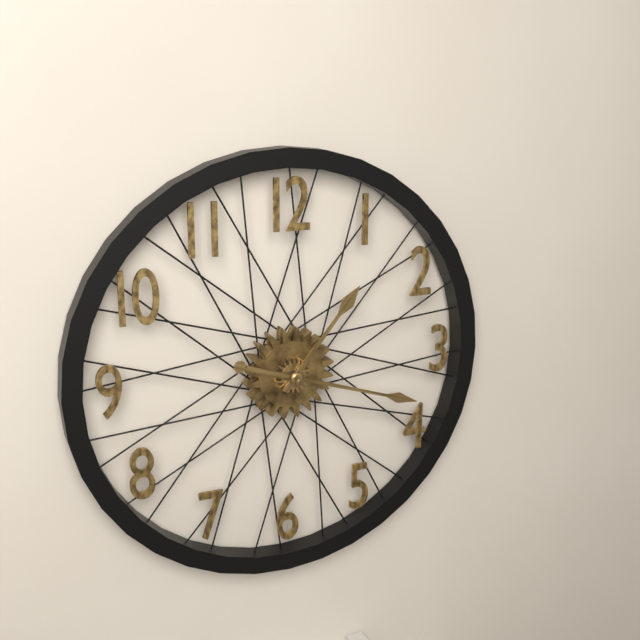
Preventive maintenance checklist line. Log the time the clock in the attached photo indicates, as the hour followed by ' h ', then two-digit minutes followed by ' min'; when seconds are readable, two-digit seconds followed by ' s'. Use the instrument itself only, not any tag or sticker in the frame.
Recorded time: 1 h 18 min
